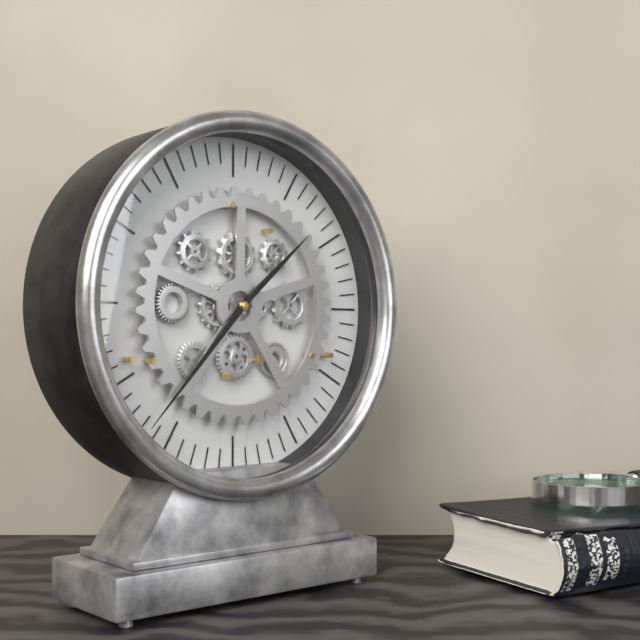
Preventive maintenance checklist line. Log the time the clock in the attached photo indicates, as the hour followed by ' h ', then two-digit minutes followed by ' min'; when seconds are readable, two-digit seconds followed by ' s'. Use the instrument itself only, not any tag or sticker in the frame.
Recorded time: 1 h 37 min
